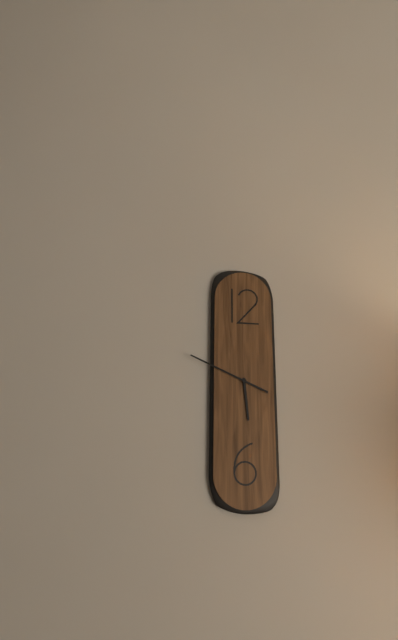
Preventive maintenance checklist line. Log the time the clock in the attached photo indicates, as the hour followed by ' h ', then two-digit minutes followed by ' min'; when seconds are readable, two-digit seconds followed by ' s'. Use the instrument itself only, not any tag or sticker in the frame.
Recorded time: 5 h 49 min
